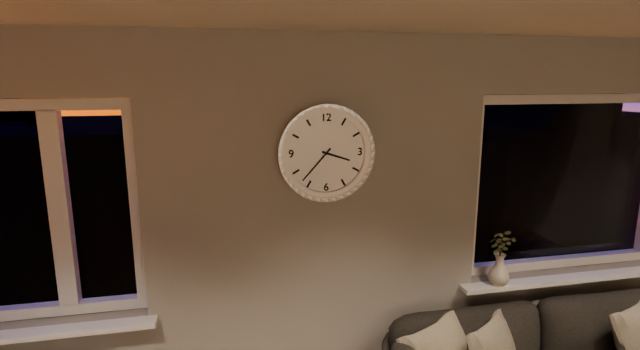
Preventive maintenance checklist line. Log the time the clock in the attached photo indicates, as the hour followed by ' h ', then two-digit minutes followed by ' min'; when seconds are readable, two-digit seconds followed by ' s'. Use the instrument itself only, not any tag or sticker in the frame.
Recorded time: 3 h 37 min
